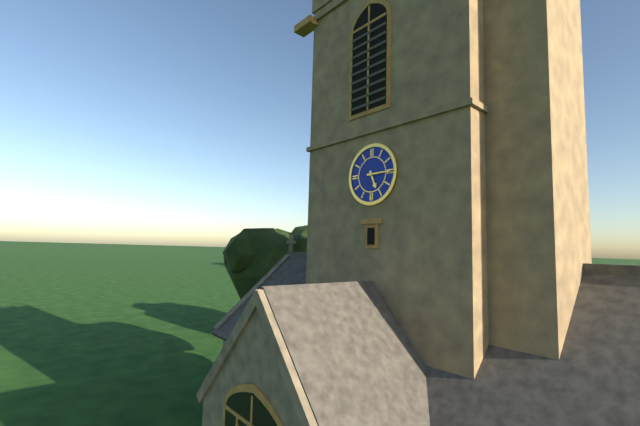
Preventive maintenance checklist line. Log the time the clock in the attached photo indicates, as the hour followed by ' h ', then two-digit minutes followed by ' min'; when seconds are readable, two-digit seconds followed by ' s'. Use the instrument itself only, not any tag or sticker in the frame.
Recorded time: 5 h 15 min
